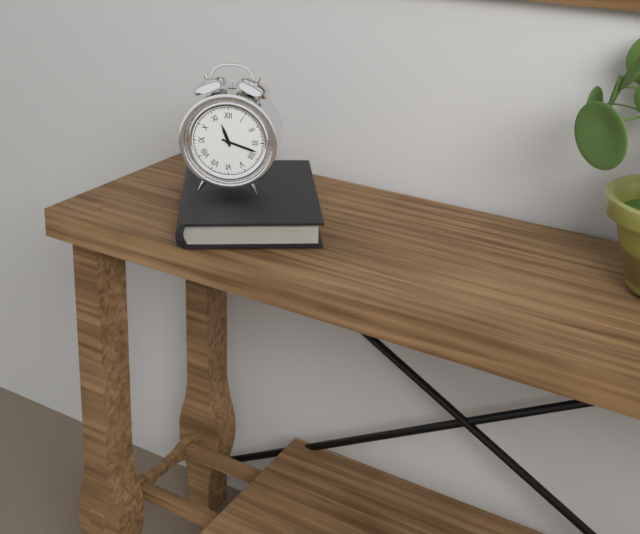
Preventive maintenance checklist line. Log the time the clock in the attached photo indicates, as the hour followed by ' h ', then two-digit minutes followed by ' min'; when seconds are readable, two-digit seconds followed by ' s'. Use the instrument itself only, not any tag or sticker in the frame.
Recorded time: 11 h 18 min
